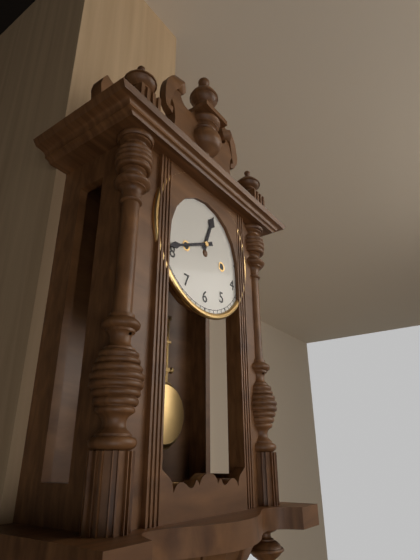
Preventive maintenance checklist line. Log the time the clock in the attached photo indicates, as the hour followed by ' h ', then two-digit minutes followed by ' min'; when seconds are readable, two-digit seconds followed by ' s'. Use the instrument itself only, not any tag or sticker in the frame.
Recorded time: 12 h 41 min
